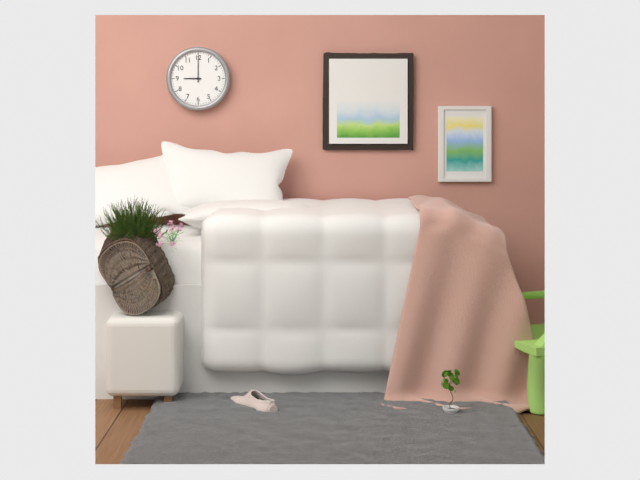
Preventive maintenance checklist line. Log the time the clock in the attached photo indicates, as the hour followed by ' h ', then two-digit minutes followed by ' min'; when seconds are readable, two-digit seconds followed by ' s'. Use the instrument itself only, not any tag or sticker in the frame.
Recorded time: 9 h 00 min
